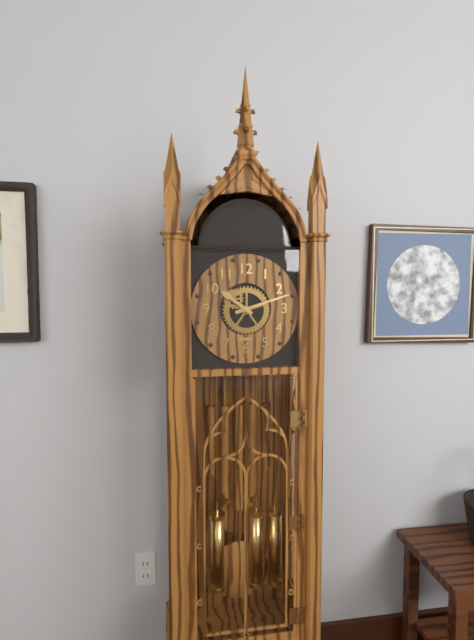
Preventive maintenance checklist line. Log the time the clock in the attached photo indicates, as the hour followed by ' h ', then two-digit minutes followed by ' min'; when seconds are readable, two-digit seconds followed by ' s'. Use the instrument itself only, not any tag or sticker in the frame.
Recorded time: 10 h 12 min
